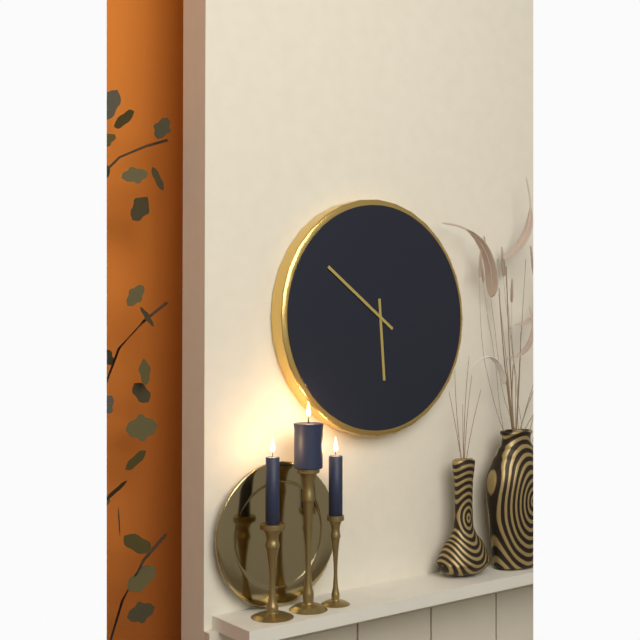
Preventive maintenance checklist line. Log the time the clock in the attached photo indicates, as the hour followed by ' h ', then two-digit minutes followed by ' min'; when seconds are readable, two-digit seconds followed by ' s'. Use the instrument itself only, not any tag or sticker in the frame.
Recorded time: 5 h 51 min
